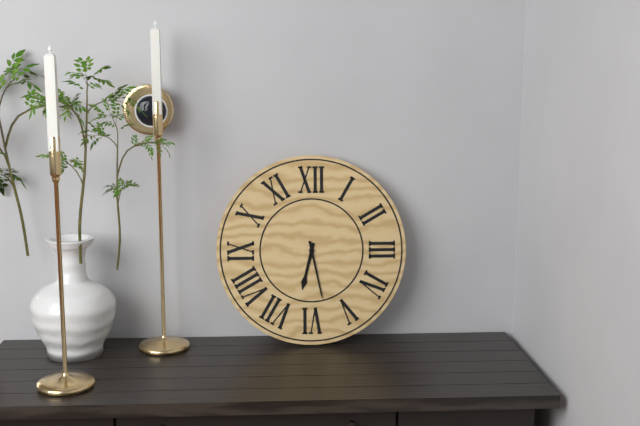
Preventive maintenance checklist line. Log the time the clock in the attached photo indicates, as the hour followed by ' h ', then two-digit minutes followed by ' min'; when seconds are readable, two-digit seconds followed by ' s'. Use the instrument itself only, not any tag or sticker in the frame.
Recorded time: 6 h 28 min
